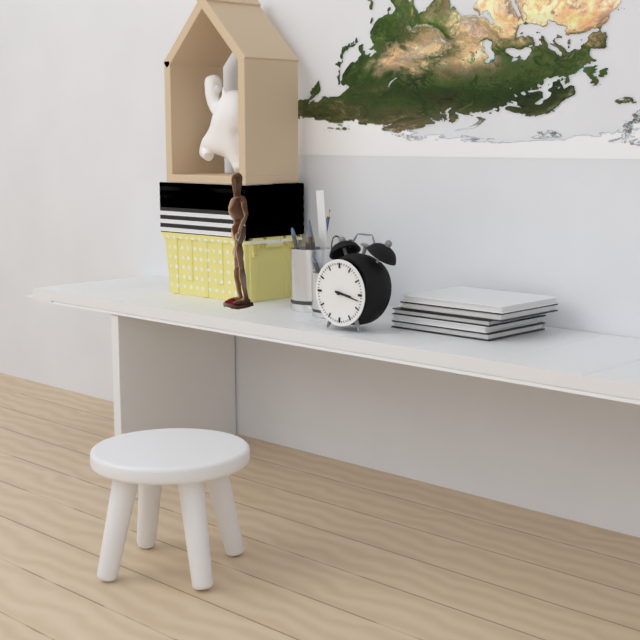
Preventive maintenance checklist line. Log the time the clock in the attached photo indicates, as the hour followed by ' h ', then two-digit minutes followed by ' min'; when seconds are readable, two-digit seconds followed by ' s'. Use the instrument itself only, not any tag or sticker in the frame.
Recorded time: 3 h 17 min
